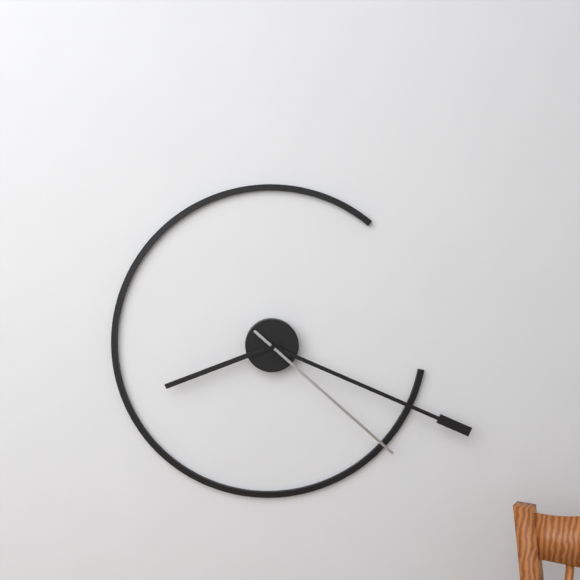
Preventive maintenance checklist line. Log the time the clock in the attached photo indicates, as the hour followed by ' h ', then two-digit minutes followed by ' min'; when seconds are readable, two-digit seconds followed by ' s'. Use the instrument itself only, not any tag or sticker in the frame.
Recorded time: 8 h 19 min 22 s
